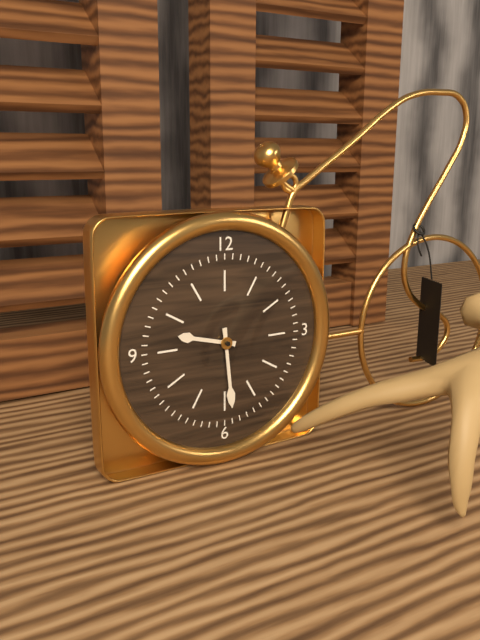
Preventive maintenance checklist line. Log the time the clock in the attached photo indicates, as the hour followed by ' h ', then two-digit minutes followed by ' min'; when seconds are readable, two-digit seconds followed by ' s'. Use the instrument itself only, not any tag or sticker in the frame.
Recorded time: 9 h 29 min
